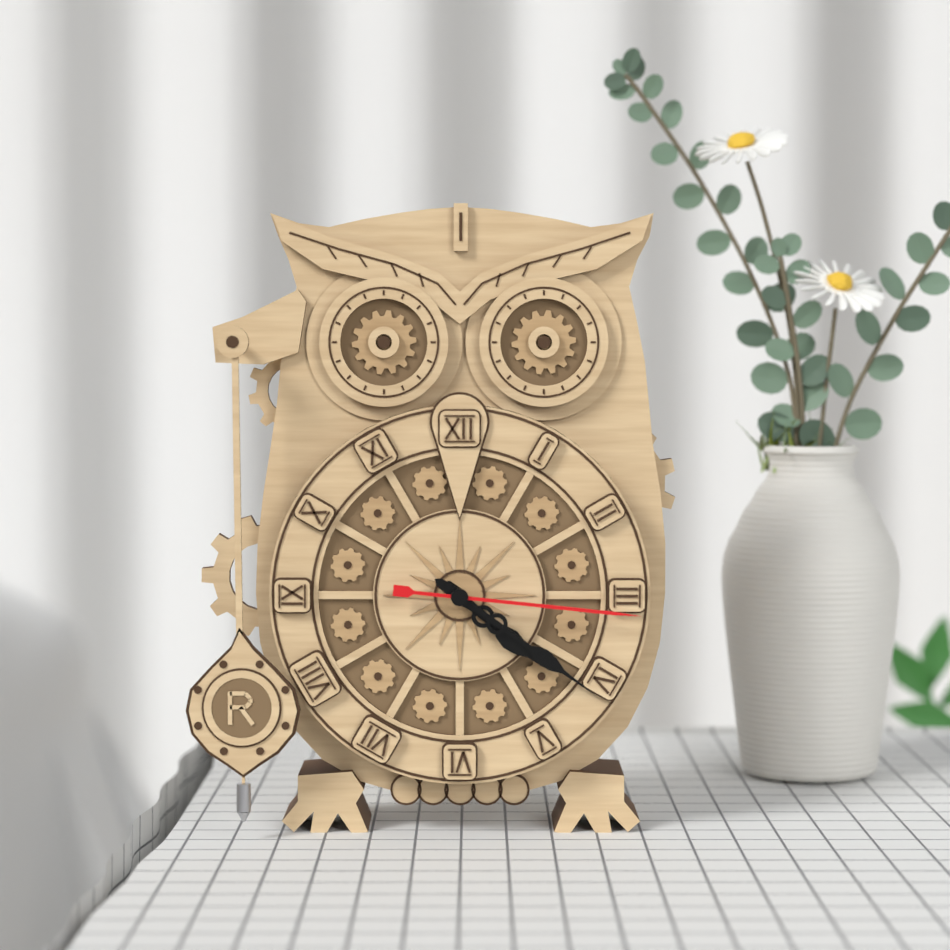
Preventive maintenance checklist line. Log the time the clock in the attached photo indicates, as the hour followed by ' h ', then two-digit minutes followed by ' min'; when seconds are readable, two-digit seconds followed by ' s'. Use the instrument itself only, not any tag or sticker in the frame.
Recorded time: 4 h 21 min 16 s
